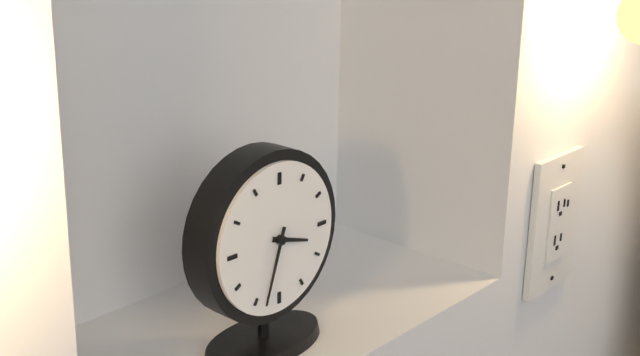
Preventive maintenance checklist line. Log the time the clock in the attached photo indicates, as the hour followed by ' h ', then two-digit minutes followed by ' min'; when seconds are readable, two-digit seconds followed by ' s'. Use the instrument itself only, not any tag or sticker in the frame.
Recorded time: 3 h 33 min
